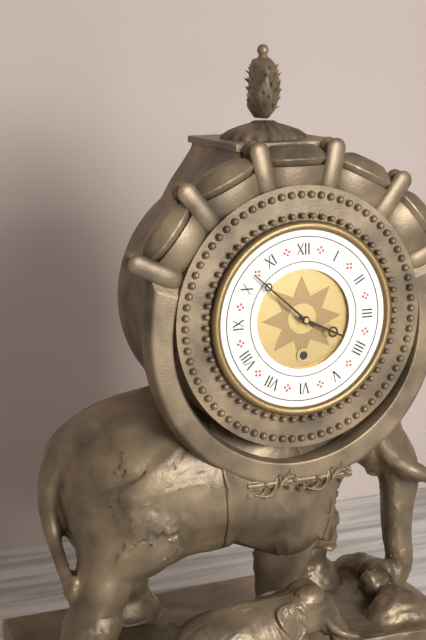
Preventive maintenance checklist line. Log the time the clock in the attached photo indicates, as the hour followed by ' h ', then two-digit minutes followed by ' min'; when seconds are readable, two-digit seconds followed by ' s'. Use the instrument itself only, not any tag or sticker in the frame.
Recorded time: 3 h 52 min
